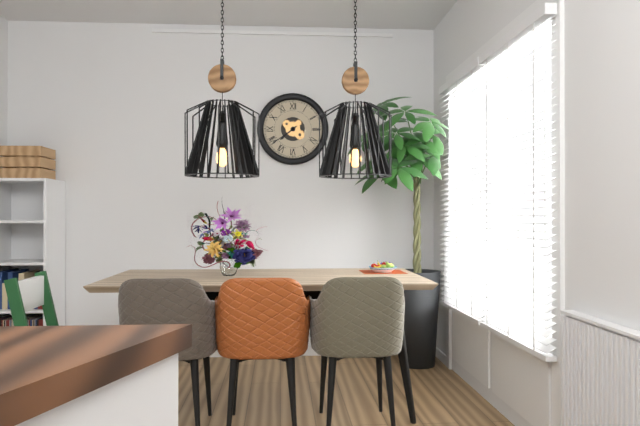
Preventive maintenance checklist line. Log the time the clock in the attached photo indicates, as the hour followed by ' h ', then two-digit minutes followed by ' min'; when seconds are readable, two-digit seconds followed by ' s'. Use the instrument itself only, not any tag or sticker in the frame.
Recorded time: 7 h 39 min
